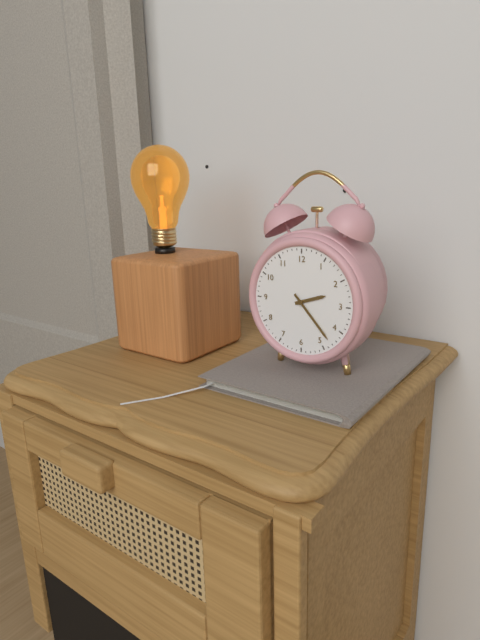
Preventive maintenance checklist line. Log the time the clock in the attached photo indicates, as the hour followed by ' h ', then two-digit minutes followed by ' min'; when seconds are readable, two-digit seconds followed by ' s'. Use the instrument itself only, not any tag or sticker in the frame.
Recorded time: 2 h 23 min
